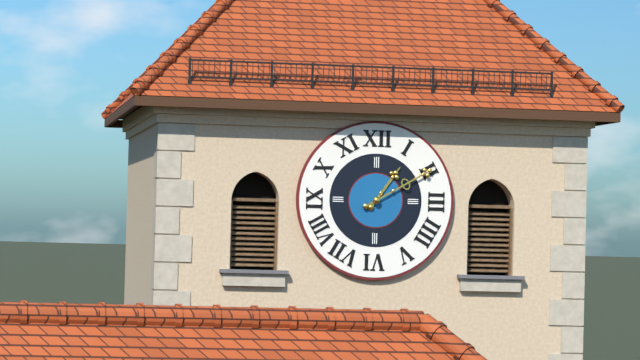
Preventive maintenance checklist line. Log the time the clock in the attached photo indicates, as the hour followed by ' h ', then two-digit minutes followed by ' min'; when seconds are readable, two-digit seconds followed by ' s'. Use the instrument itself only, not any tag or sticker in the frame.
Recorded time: 1 h 10 min
